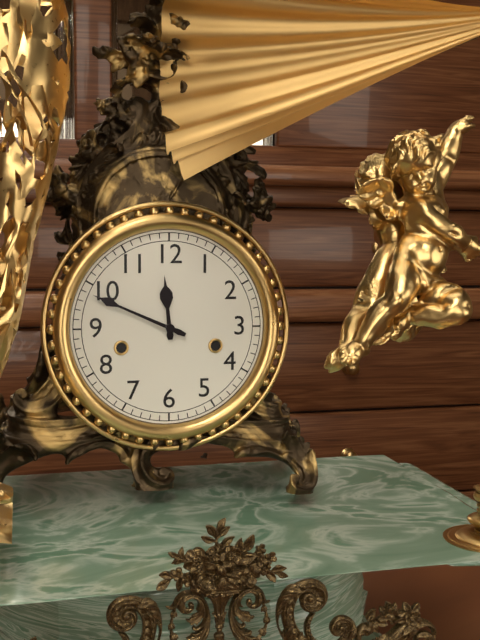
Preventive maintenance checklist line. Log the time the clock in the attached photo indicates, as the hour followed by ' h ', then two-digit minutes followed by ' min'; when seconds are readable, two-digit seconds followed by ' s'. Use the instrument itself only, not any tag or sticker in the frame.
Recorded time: 11 h 49 min
